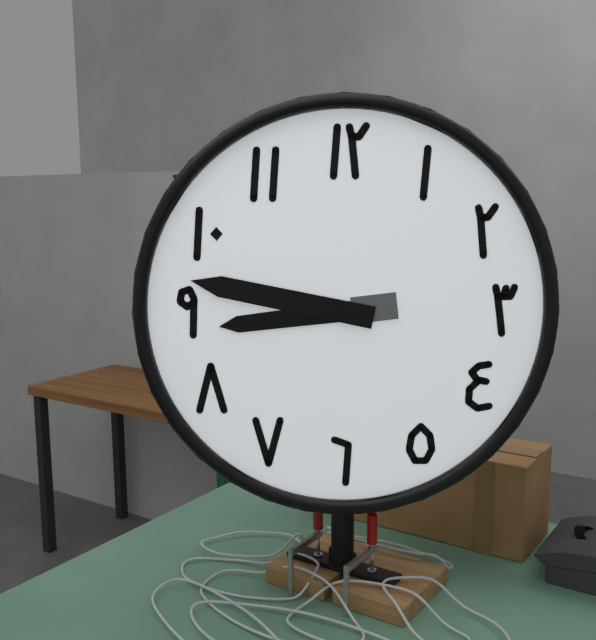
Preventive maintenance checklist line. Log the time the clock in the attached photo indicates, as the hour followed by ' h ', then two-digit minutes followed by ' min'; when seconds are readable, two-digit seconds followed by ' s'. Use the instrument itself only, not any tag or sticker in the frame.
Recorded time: 8 h 47 min
